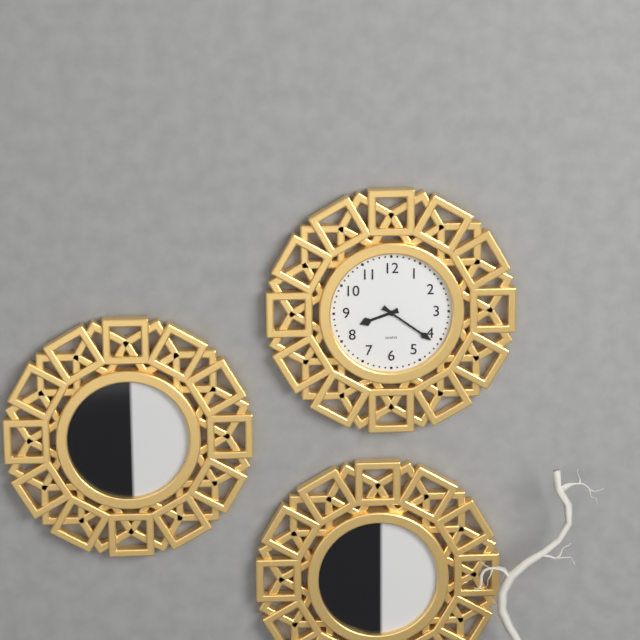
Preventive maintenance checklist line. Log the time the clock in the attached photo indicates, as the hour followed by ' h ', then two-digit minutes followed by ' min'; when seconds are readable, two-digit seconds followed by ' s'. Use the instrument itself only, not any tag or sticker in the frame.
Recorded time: 8 h 21 min
